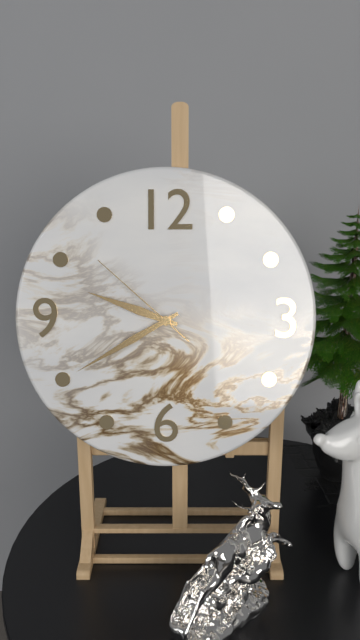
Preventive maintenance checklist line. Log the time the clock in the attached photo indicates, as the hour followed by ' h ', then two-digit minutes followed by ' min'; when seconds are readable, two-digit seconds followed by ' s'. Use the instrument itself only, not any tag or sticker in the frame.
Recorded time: 9 h 40 min 52 s
